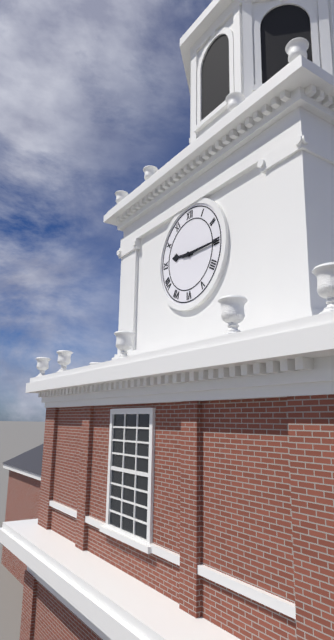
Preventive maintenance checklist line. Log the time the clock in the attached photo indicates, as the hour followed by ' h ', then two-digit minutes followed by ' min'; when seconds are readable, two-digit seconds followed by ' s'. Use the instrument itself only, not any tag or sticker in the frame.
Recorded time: 9 h 15 min
